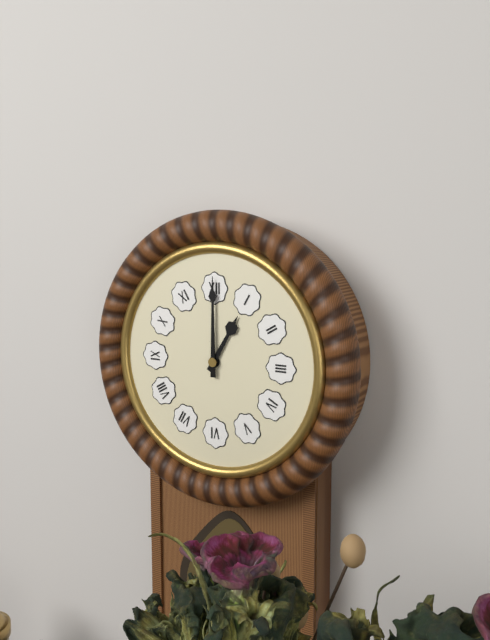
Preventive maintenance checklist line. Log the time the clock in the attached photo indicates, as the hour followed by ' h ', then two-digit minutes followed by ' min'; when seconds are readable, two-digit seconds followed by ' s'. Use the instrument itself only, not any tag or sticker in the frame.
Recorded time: 1 h 00 min
